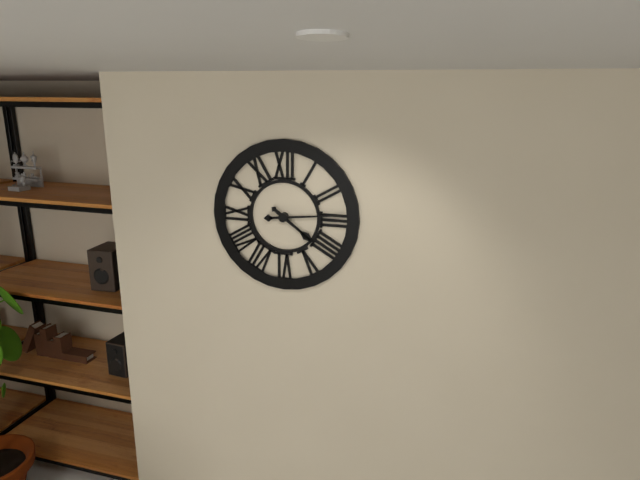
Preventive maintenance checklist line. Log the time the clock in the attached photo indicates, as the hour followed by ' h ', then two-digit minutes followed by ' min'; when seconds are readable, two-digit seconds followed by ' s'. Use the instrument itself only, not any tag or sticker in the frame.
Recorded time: 4 h 14 min
